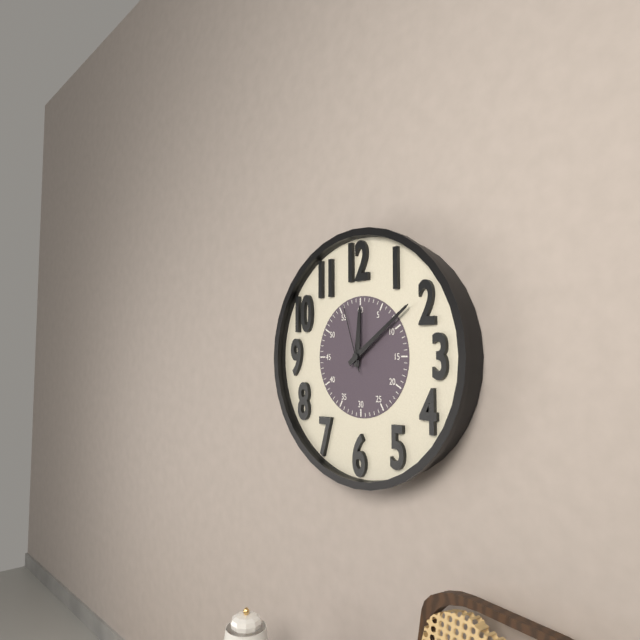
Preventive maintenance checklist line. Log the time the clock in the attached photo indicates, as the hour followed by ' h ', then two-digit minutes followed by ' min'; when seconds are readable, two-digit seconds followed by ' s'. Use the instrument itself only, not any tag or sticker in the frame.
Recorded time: 12 h 09 min 57 s
